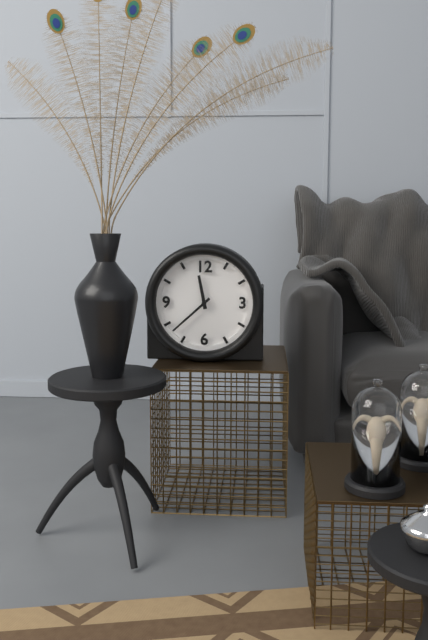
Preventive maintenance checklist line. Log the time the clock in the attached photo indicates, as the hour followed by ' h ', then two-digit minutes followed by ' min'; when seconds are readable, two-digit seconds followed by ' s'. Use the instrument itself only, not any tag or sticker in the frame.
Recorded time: 11 h 38 min
